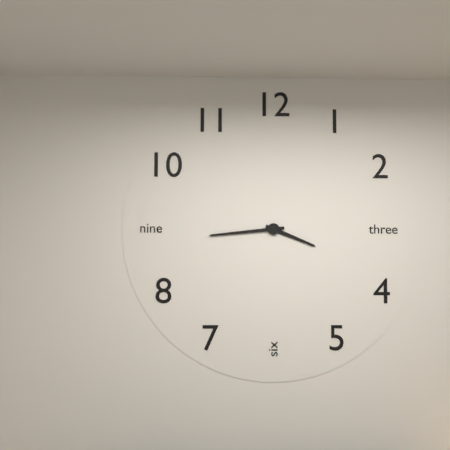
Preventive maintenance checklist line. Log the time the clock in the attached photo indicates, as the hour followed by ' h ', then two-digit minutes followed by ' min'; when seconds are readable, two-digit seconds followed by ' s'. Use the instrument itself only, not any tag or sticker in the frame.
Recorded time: 3 h 44 min
